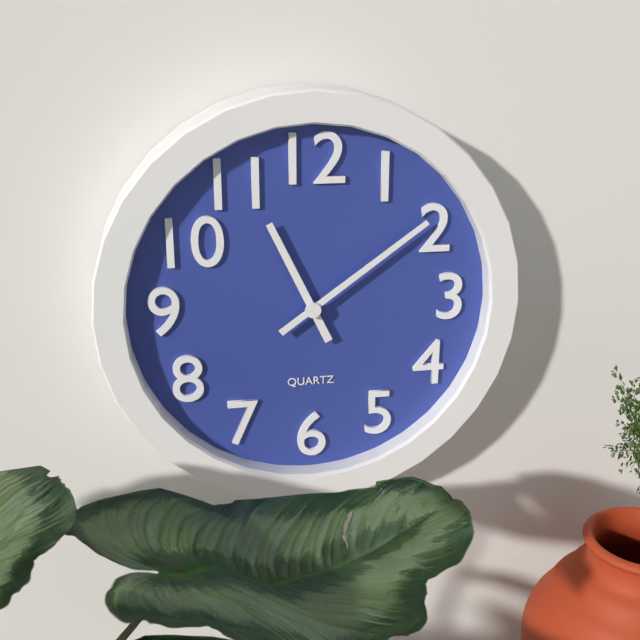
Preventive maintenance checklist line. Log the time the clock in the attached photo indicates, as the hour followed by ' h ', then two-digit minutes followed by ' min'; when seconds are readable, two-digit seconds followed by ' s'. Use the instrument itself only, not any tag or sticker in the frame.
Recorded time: 11 h 09 min
